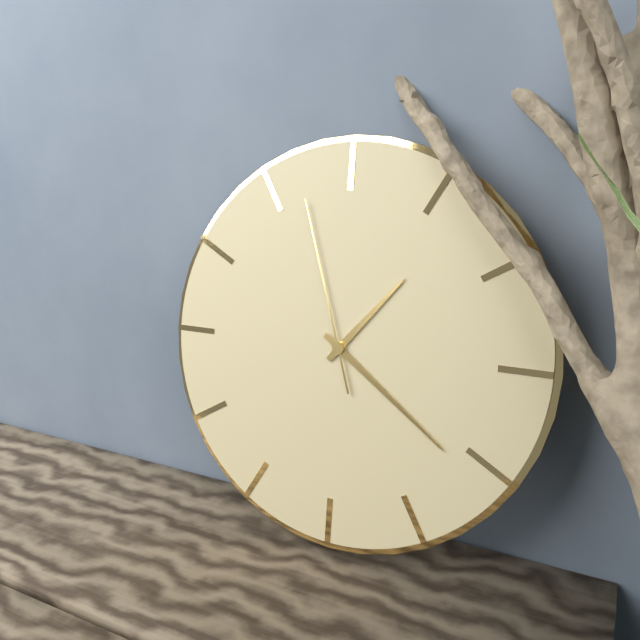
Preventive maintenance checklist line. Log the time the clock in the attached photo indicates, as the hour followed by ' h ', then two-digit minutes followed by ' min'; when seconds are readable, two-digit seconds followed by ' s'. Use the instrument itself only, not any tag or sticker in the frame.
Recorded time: 1 h 21 min 57 s
